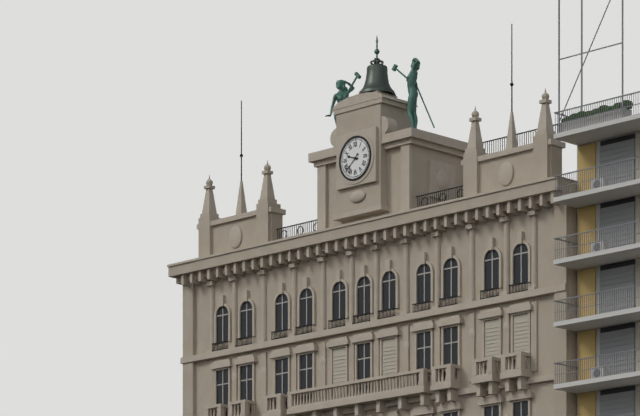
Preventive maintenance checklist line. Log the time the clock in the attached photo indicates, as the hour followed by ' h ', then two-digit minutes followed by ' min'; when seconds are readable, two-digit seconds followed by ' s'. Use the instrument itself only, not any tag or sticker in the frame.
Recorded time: 9 h 38 min
